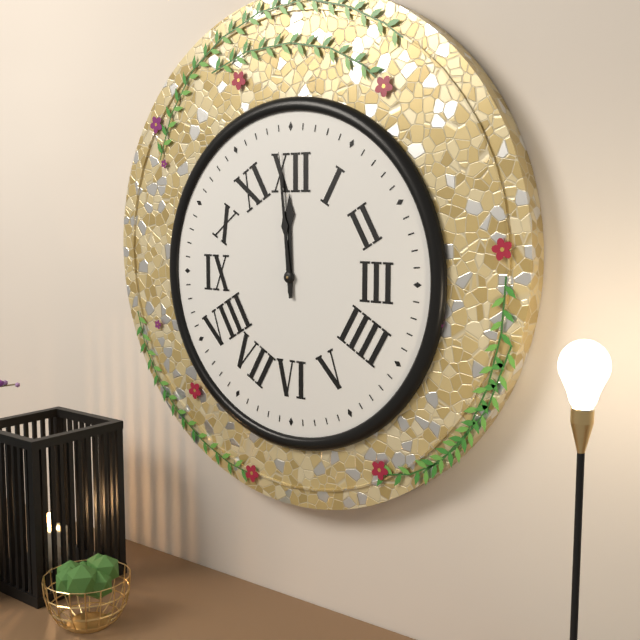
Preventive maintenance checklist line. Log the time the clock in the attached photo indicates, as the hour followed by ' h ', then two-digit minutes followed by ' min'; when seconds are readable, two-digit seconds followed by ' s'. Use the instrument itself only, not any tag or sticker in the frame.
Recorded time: 11 h 59 min
